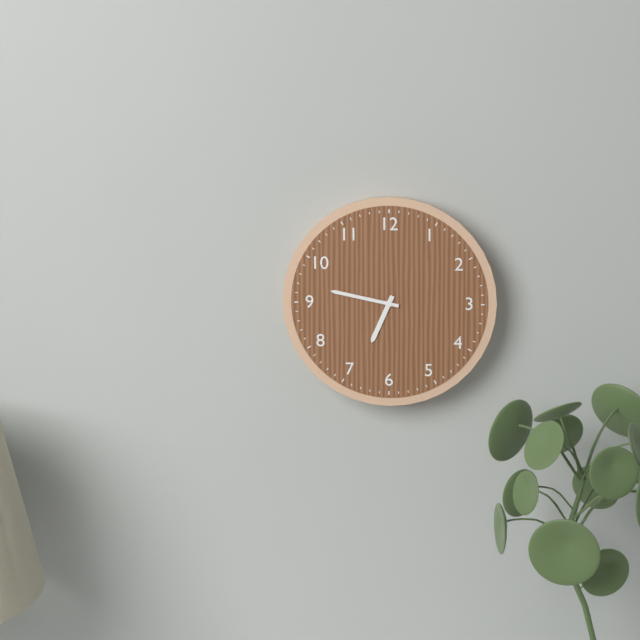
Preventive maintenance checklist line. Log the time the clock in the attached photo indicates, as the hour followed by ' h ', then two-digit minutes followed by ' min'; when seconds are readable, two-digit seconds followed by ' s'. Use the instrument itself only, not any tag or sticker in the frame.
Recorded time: 6 h 47 min
